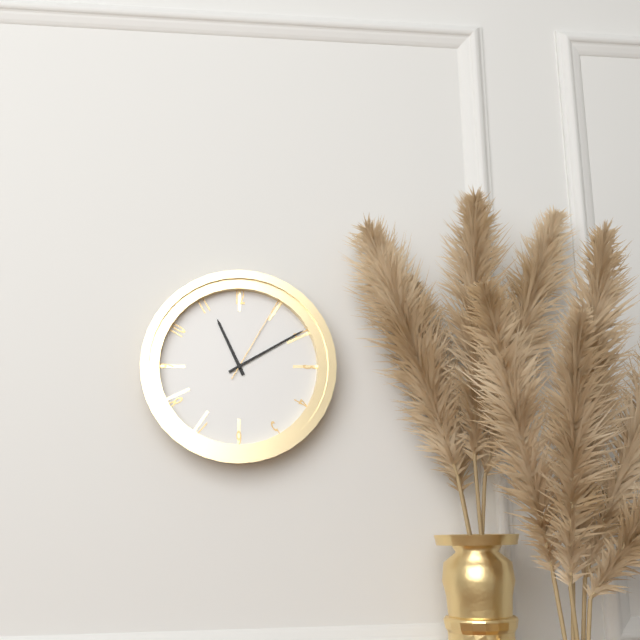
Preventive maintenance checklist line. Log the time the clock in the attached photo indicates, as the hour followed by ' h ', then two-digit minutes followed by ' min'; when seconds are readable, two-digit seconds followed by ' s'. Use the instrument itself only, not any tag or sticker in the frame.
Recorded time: 11 h 10 min 05 s
